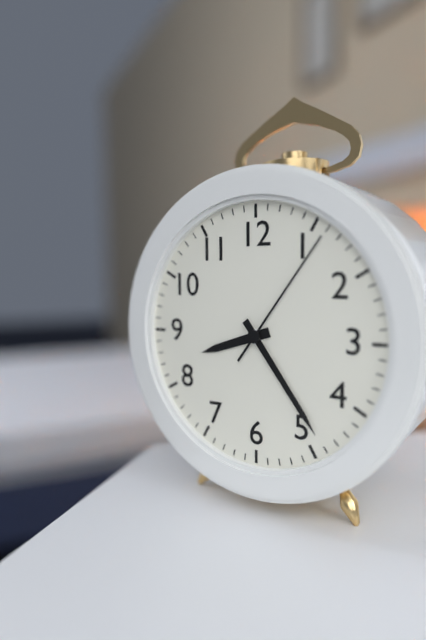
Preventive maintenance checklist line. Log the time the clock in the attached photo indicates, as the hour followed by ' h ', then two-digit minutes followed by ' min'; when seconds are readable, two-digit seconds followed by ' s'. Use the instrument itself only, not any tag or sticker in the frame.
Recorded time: 8 h 24 min 06 s
